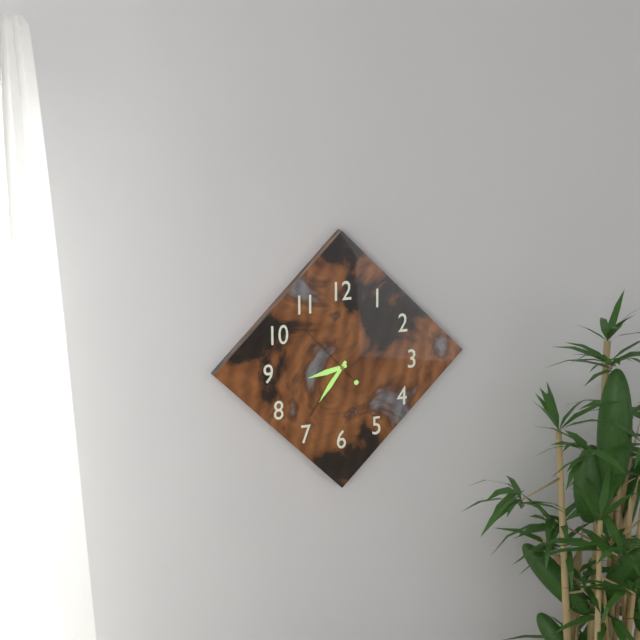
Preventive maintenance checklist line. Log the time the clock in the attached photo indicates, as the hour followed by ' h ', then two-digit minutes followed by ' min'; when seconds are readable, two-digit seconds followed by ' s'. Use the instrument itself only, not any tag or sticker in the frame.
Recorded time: 8 h 36 min 53 s
